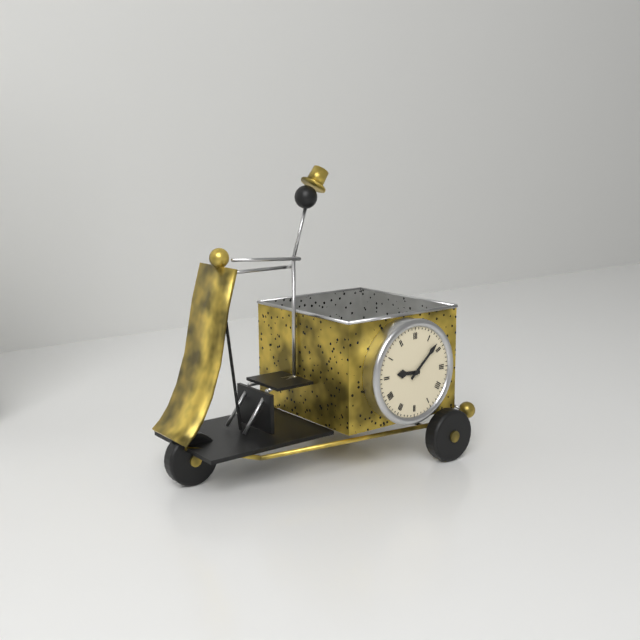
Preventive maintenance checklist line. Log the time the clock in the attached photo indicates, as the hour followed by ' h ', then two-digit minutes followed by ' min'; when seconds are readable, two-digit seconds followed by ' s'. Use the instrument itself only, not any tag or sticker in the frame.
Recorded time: 9 h 08 min
